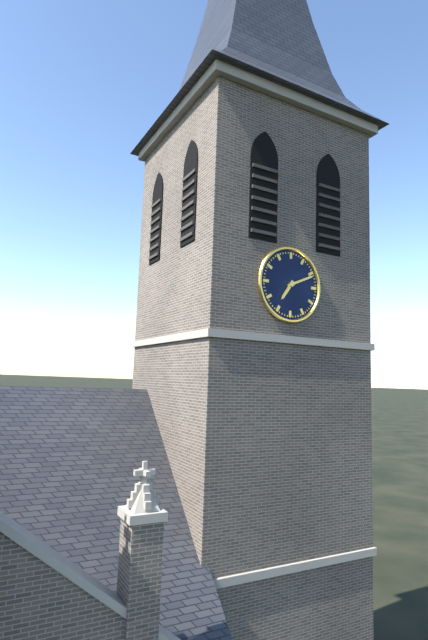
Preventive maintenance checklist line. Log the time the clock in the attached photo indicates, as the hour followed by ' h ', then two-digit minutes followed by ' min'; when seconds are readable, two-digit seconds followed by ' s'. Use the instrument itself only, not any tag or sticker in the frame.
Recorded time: 7 h 11 min
